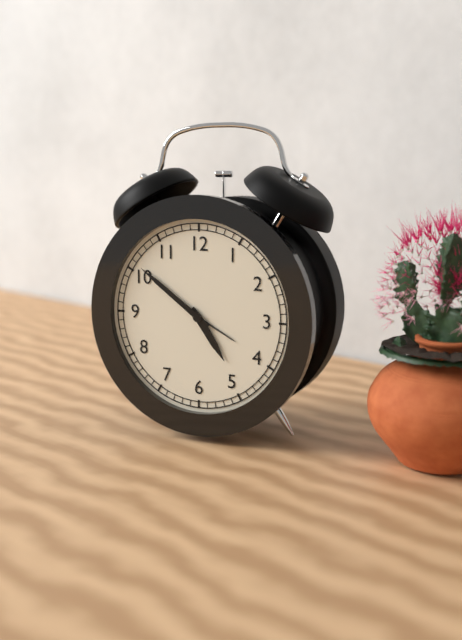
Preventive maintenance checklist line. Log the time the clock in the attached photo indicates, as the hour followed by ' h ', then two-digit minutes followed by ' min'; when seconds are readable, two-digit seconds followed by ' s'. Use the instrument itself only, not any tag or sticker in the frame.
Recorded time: 4 h 51 min
